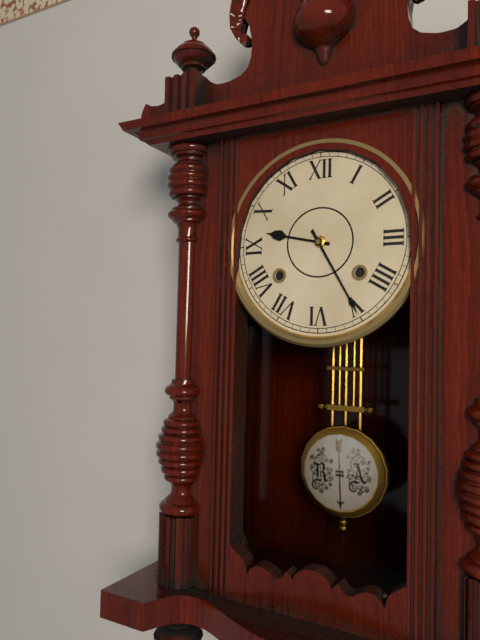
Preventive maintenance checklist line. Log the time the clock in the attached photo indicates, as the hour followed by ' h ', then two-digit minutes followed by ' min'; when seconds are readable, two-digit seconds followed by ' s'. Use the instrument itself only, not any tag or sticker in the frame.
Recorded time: 9 h 25 min
